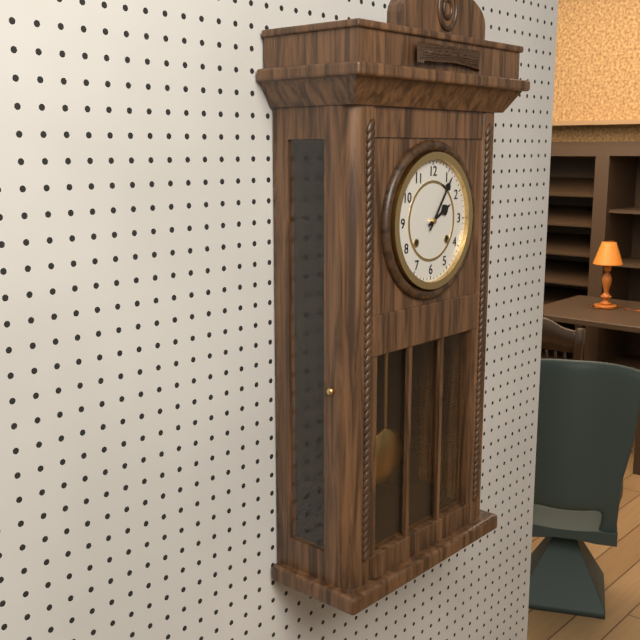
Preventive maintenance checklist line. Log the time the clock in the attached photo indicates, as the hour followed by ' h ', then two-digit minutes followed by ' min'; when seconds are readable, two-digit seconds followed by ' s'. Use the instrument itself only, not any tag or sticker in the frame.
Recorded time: 2 h 06 min
